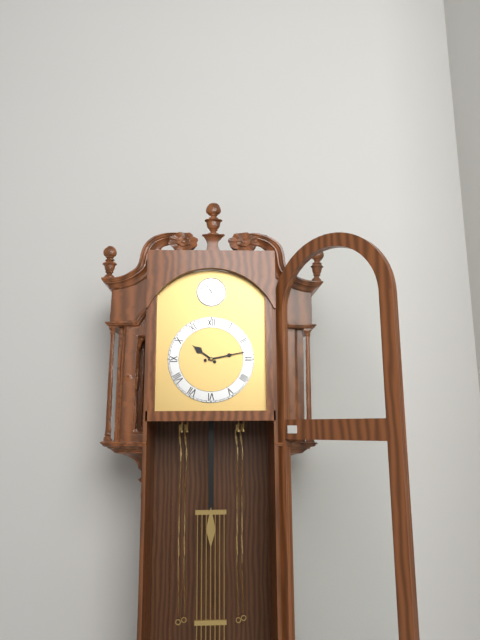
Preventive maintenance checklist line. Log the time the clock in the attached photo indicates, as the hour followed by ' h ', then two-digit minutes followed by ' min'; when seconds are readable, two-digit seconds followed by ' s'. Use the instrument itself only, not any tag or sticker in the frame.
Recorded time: 10 h 13 min
